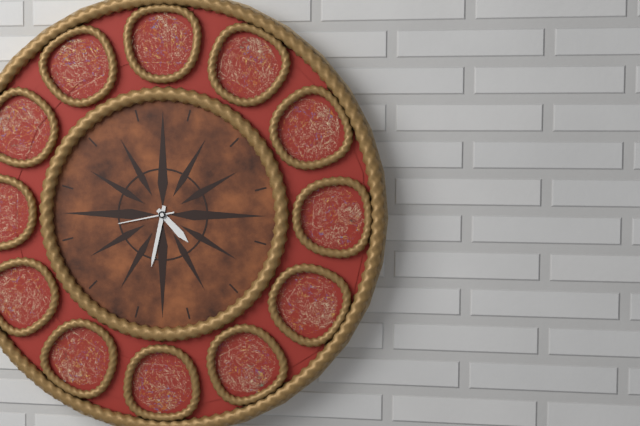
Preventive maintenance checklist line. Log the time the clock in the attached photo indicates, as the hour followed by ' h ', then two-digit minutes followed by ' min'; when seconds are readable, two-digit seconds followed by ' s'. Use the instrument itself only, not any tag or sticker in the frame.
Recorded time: 4 h 32 min 43 s
